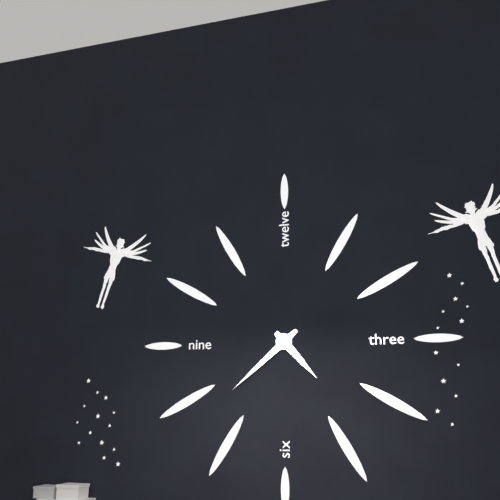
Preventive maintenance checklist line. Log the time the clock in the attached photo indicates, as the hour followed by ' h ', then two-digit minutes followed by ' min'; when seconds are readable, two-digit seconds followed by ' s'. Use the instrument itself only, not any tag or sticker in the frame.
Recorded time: 4 h 38 min
